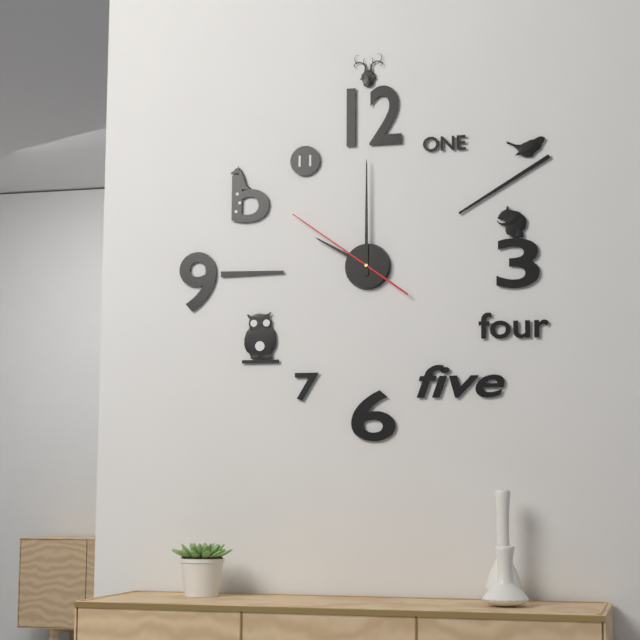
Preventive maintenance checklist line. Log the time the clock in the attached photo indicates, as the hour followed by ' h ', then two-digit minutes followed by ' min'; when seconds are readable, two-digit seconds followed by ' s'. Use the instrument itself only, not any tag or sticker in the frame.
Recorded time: 10 h 00 min 51 s
